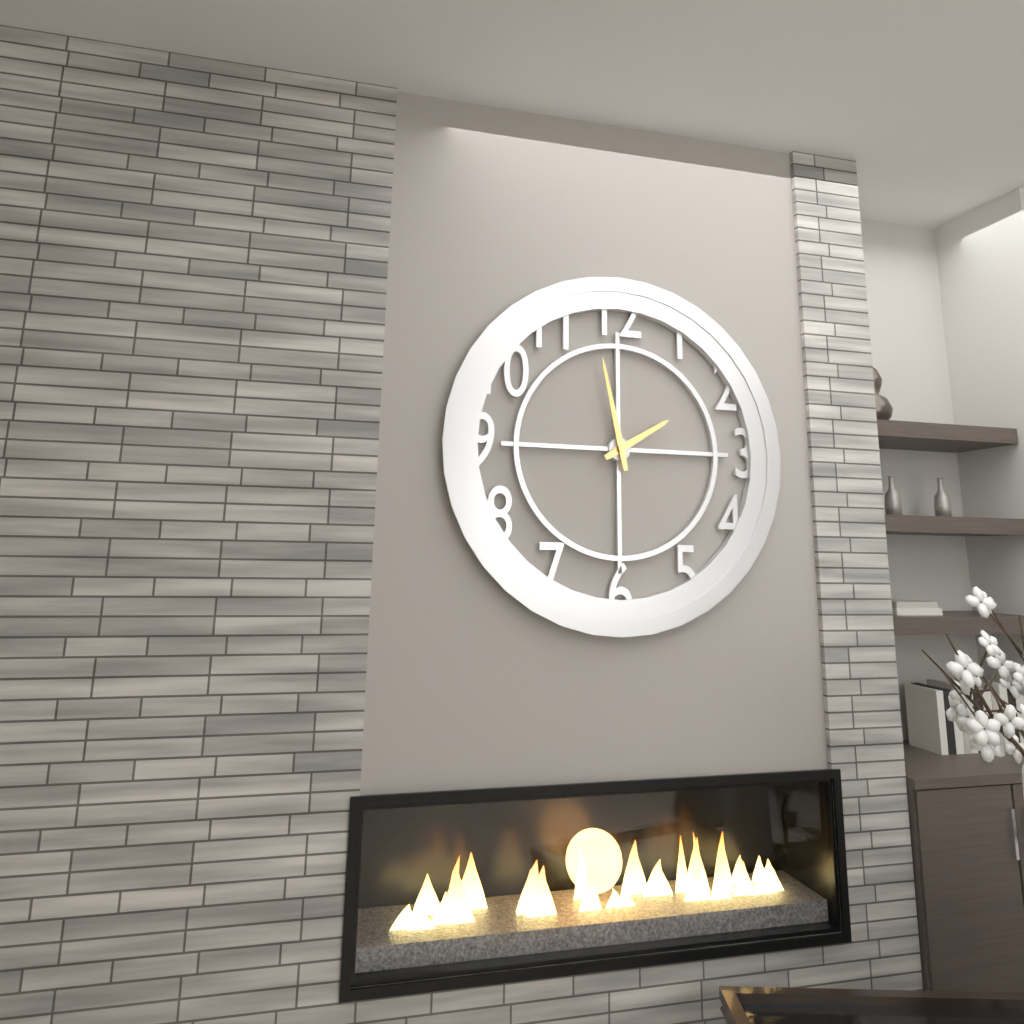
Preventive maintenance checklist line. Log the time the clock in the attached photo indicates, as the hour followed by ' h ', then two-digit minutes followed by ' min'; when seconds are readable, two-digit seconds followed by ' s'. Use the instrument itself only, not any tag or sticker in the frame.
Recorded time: 1 h 58 min
